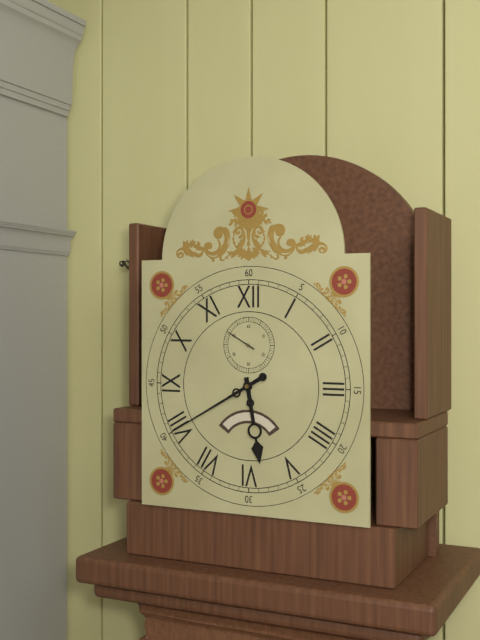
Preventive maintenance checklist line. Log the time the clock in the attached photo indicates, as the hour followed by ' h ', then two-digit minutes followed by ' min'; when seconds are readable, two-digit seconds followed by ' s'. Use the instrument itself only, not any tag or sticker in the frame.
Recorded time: 5 h 40 min
